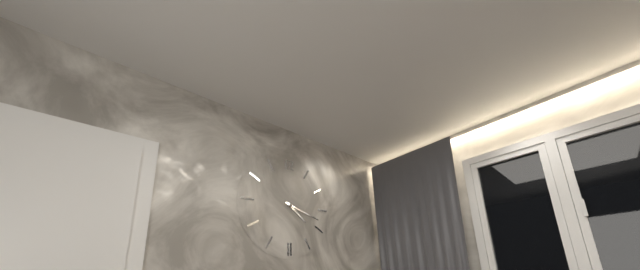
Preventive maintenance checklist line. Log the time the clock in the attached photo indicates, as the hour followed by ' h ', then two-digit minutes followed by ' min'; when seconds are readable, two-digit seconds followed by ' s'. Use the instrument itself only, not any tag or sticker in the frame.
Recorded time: 4 h 18 min
